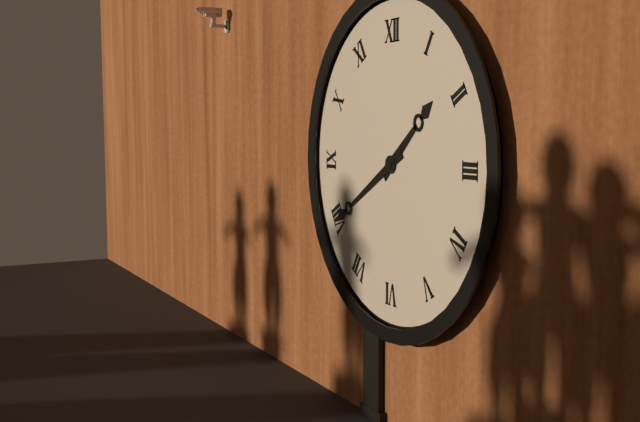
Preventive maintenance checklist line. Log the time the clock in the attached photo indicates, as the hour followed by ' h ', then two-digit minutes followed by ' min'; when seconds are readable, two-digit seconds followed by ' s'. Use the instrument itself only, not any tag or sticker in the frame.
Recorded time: 1 h 40 min
